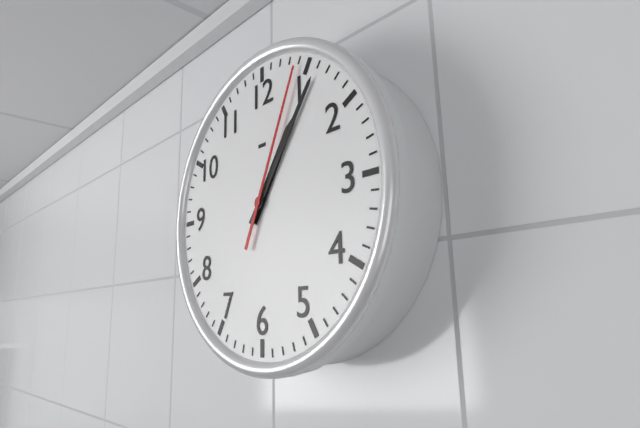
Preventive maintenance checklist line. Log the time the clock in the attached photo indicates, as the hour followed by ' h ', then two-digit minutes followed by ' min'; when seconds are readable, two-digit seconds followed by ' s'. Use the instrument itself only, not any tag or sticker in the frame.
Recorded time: 1 h 06 min 04 s
